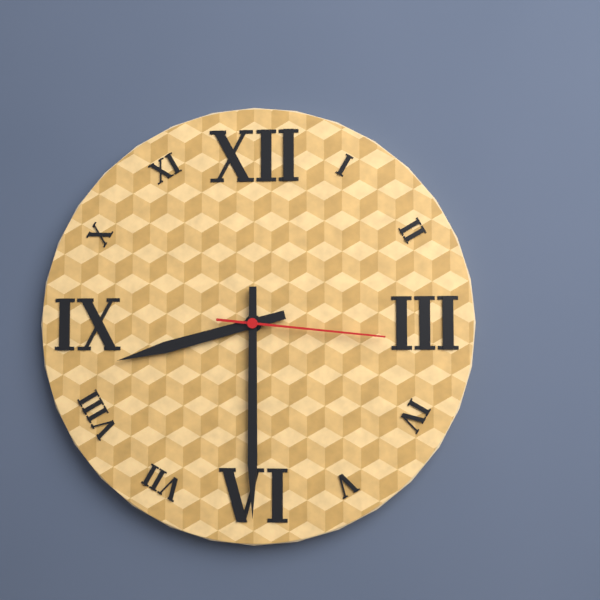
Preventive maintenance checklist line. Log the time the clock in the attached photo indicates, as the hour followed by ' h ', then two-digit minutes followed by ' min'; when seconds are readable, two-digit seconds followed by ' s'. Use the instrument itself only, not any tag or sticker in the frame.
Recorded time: 8 h 30 min 16 s
